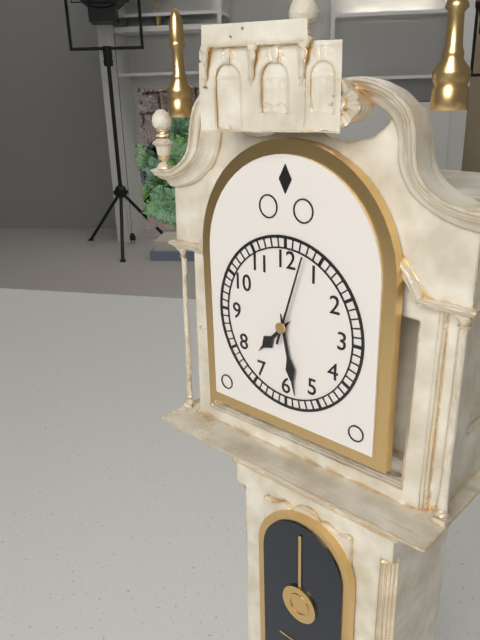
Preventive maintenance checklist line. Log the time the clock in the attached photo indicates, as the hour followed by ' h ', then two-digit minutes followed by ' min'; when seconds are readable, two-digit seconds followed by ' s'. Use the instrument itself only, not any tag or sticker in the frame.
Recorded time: 7 h 28 min 03 s
